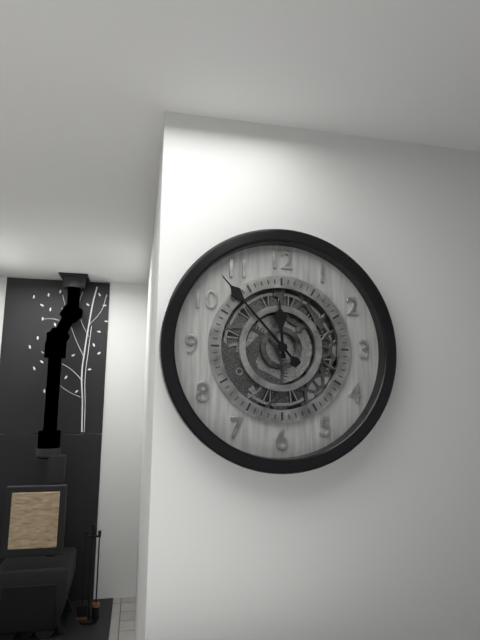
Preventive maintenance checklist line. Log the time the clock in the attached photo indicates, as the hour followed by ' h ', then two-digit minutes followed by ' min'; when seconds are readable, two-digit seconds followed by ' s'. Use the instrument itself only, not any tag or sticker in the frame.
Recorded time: 11 h 53 min
